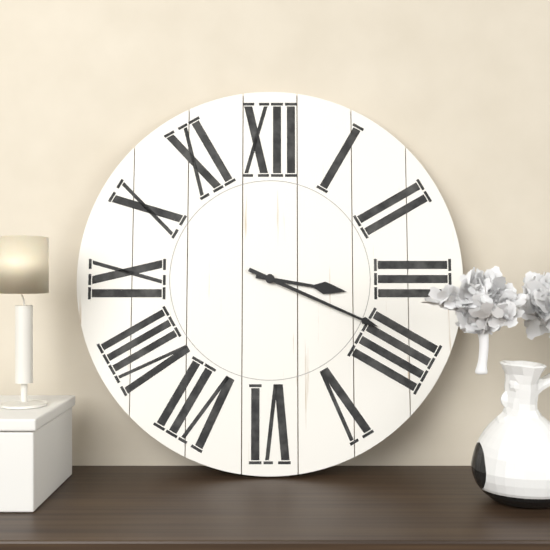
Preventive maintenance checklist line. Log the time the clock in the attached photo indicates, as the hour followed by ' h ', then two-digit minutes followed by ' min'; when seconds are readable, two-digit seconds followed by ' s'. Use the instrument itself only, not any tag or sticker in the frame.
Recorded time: 3 h 19 min
